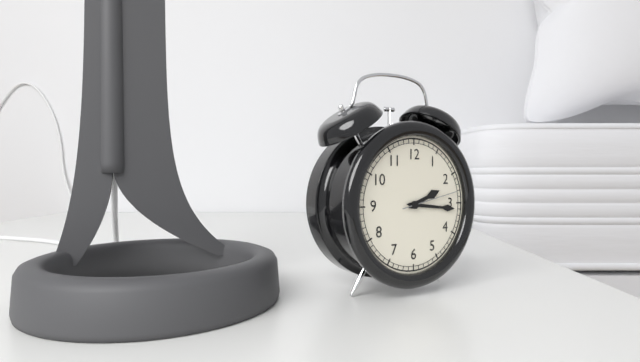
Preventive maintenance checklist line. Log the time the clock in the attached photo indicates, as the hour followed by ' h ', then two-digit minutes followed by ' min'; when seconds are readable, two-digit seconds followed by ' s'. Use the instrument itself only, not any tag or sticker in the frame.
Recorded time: 2 h 16 min 13 s
